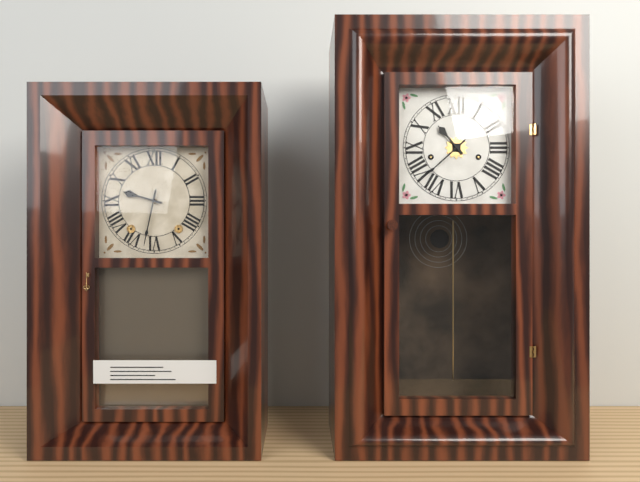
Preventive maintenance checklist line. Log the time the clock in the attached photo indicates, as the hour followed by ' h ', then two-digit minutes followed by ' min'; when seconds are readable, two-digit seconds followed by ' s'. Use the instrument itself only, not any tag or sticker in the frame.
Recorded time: 9 h 32 min
